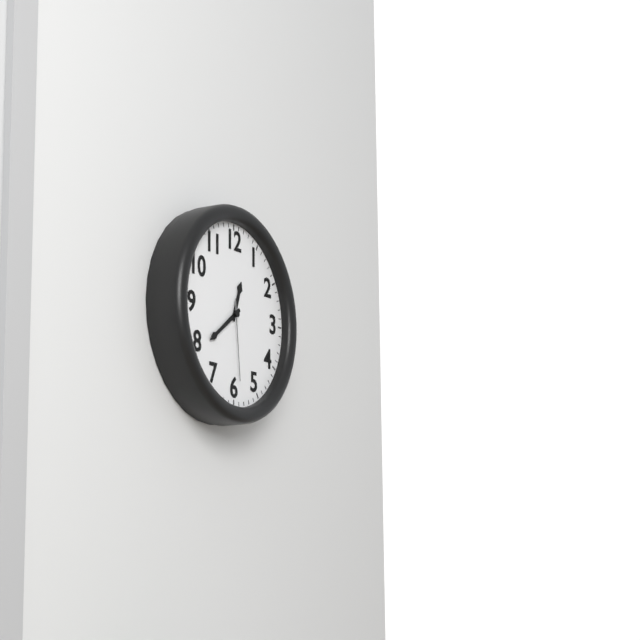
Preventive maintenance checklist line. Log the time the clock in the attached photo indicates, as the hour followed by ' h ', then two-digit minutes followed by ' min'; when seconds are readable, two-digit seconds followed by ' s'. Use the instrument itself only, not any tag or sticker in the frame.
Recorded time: 12 h 39 min 29 s
